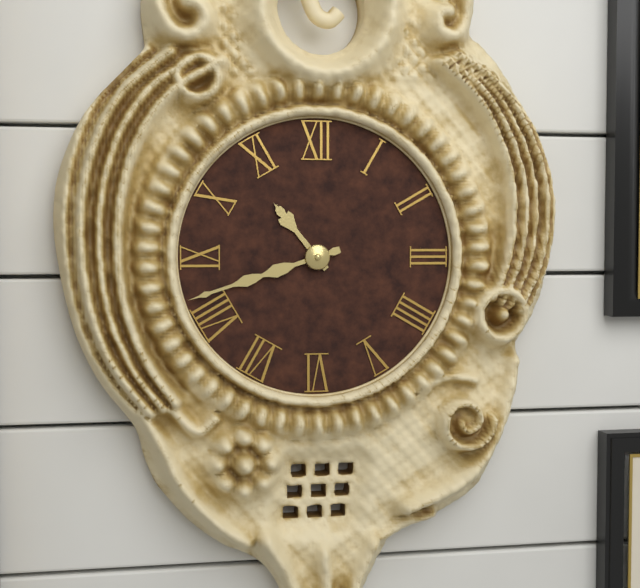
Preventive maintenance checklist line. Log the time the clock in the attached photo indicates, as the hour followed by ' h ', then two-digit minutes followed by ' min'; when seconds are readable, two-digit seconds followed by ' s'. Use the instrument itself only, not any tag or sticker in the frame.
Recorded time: 10 h 42 min
